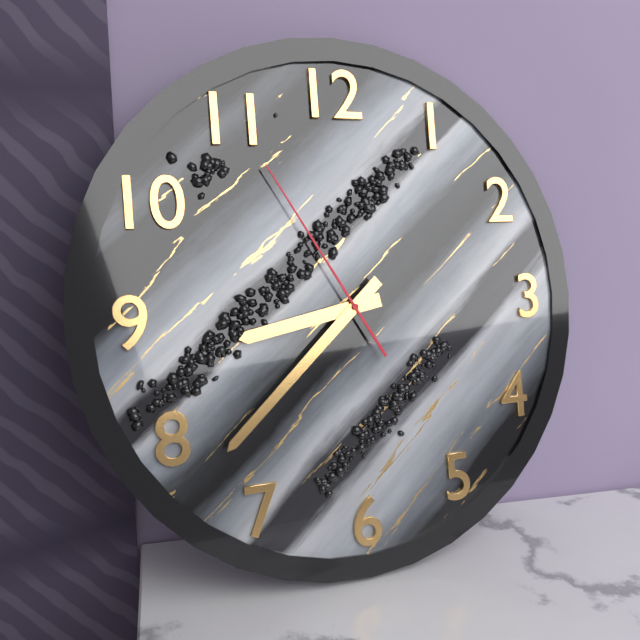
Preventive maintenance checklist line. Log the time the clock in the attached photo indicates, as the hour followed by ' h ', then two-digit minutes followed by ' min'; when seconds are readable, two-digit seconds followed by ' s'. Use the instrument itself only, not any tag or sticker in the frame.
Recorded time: 8 h 38 min 55 s
